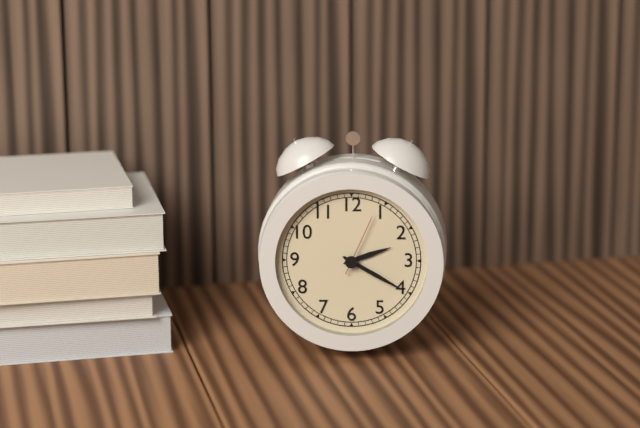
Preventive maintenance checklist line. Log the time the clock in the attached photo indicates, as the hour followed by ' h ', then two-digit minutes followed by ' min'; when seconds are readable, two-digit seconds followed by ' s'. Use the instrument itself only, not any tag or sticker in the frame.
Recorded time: 2 h 20 min 04 s
